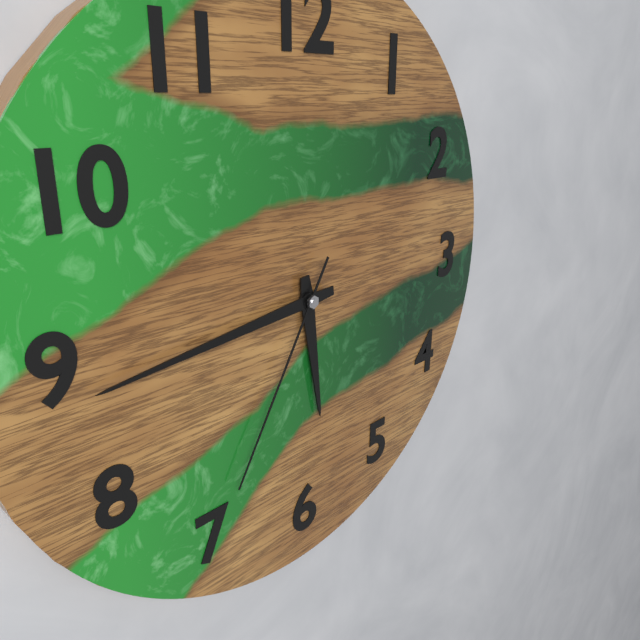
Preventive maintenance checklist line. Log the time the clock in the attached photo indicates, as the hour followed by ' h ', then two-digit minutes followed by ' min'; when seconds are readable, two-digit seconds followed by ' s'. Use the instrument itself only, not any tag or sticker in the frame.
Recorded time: 5 h 44 min 35 s
